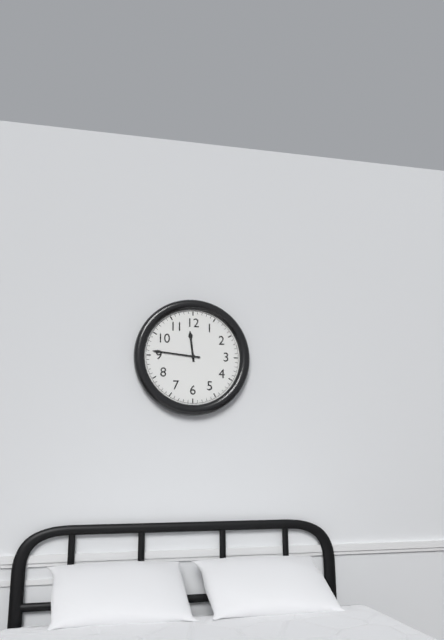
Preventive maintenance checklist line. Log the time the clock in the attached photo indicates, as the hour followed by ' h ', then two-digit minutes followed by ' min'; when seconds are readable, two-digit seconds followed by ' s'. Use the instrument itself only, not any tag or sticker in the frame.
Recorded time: 11 h 46 min
